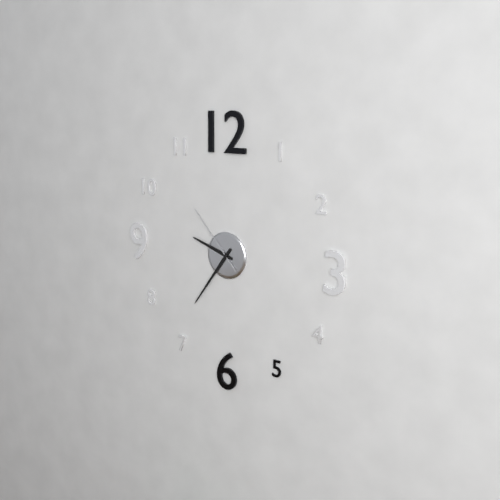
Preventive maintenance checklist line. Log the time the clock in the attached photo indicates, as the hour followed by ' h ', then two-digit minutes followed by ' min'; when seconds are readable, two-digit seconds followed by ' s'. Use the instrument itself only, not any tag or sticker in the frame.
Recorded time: 9 h 36 min 53 s
